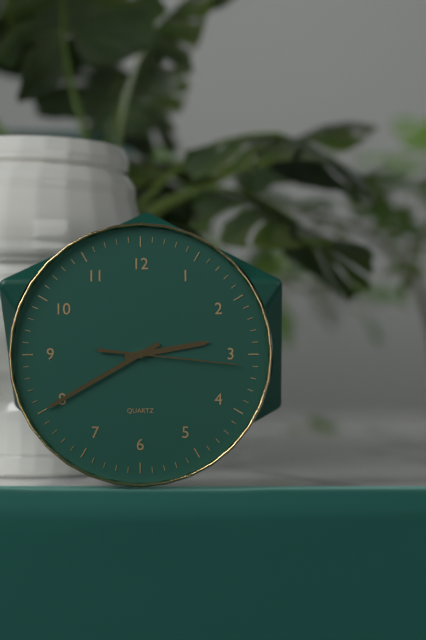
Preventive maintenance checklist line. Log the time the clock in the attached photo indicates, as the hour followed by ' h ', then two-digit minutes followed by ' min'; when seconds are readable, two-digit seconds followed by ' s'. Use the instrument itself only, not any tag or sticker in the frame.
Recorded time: 2 h 40 min 16 s
